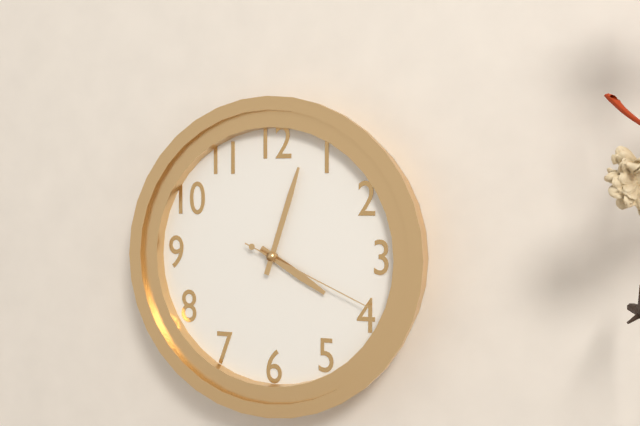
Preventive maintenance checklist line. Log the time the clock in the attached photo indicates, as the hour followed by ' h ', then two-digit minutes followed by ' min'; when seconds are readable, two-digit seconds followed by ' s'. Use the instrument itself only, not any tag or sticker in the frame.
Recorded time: 4 h 03 min 19 s
